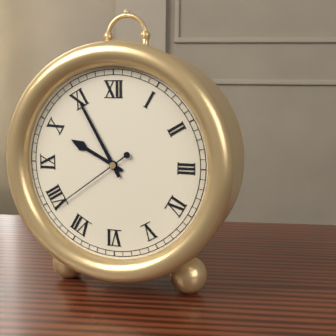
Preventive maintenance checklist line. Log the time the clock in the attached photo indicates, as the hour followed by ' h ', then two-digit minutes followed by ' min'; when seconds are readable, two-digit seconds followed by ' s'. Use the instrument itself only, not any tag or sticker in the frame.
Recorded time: 9 h 55 min 39 s
